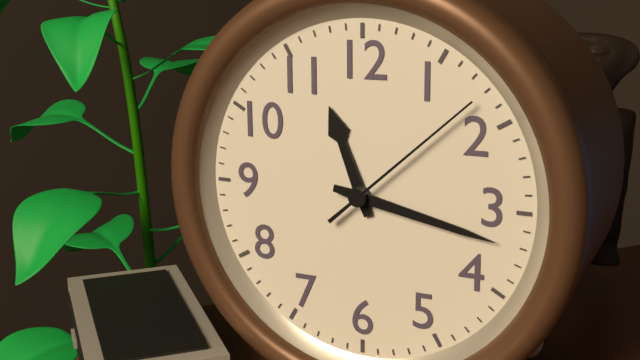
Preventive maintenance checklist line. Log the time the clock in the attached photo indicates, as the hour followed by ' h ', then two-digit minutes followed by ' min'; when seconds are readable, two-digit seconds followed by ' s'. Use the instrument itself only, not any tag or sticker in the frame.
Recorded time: 11 h 17 min 08 s
